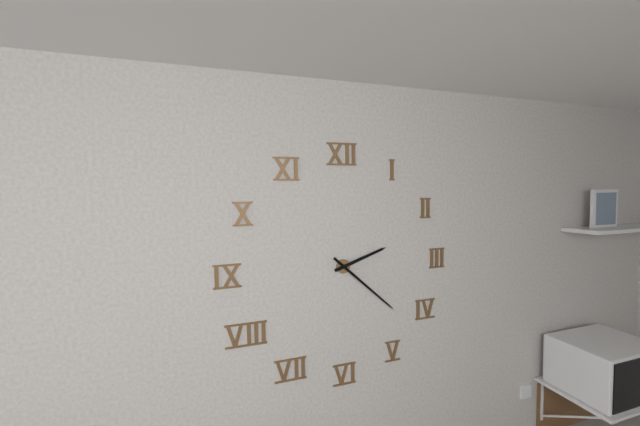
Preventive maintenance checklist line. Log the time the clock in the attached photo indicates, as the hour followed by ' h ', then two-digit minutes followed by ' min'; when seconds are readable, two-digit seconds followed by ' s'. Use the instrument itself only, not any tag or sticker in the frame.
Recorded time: 2 h 22 min
